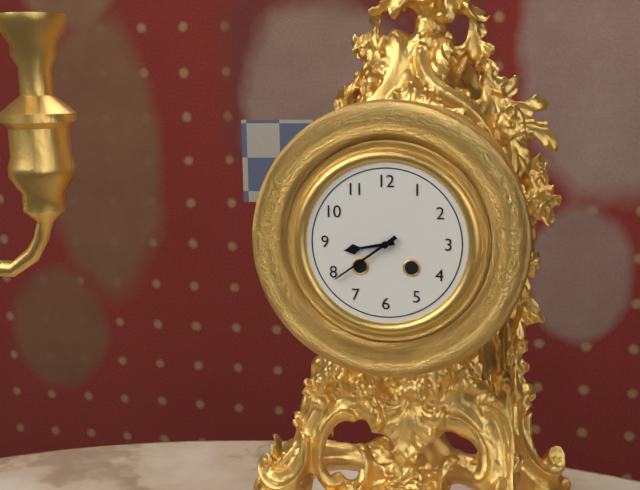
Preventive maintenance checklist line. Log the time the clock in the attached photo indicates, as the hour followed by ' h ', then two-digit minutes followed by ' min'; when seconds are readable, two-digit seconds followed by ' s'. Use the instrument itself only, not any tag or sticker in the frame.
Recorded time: 8 h 39 min
